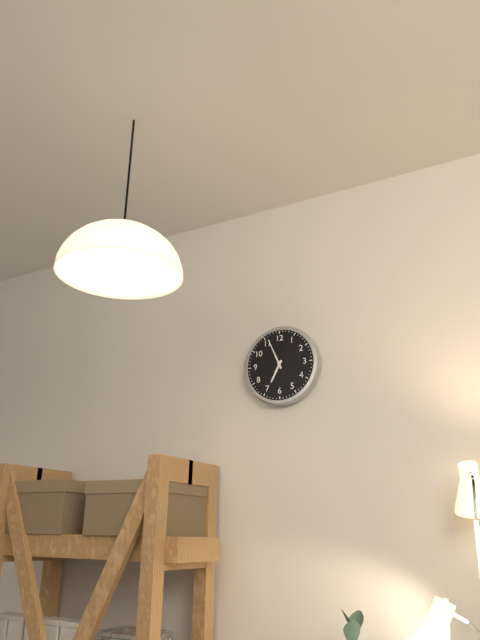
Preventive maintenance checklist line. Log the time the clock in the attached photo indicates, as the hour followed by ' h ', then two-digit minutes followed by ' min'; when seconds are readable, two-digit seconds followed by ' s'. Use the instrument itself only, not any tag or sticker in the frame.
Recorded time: 6 h 56 min
